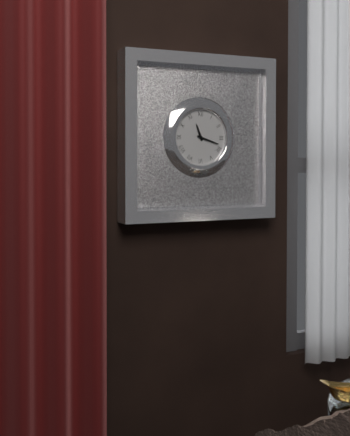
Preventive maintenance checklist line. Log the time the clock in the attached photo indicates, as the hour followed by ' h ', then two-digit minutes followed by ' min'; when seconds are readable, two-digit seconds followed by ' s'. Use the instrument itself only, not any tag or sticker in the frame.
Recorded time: 11 h 18 min
